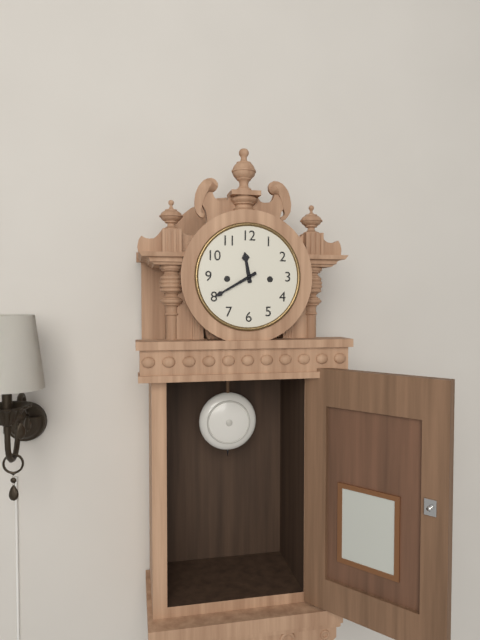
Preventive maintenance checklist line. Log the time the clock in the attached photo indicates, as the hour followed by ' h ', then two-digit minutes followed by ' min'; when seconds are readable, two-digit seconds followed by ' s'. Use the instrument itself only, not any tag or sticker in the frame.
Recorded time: 11 h 40 min
